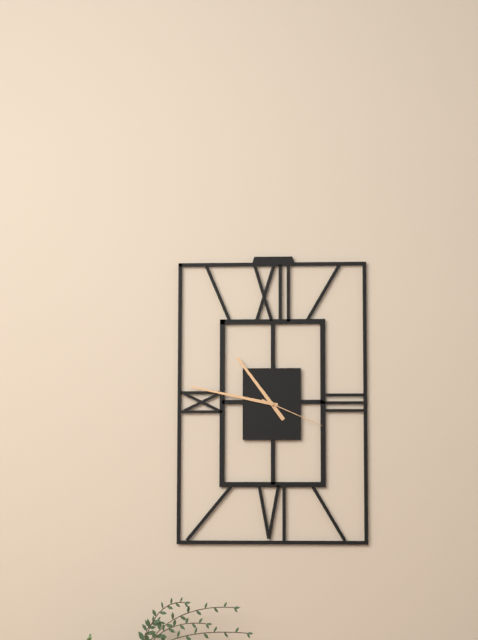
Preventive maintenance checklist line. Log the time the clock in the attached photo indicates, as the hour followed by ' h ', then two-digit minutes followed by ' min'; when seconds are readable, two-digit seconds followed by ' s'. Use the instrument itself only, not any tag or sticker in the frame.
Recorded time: 10 h 47 min 19 s
